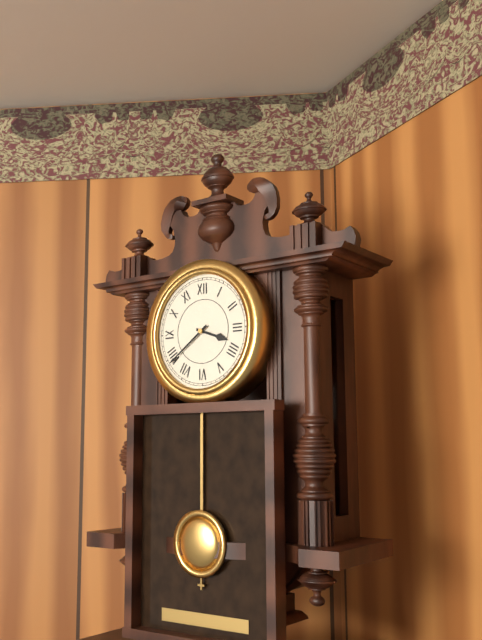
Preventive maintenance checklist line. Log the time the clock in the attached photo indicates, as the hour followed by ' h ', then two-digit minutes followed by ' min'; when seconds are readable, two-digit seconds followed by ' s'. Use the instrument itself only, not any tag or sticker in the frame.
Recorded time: 3 h 39 min
